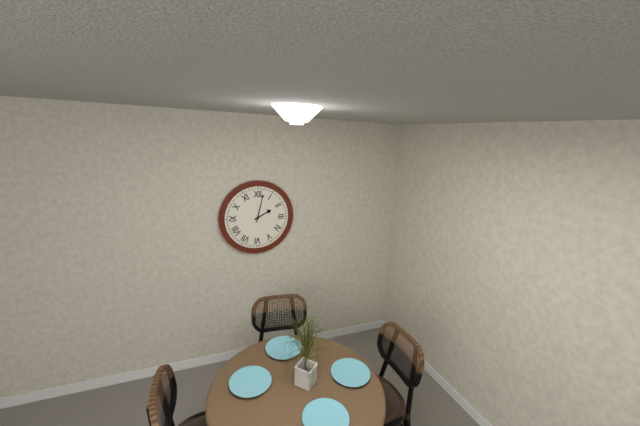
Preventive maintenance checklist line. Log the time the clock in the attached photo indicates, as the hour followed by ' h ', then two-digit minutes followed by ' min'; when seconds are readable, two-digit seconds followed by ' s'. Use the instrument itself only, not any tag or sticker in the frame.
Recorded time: 2 h 02 min
